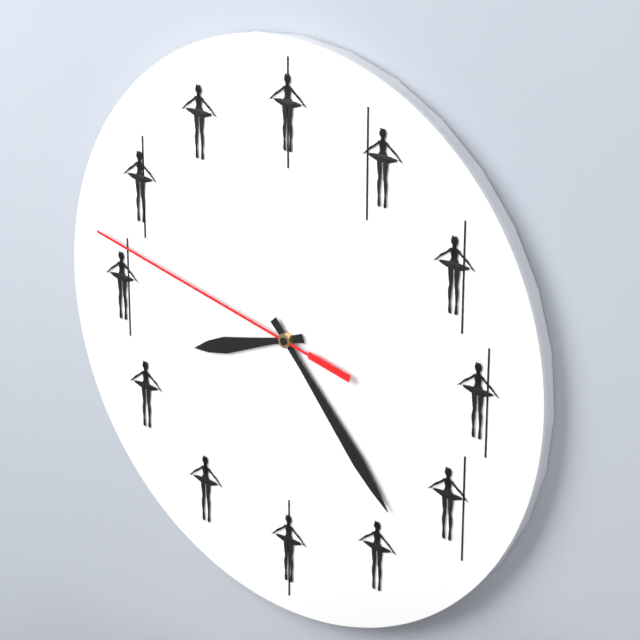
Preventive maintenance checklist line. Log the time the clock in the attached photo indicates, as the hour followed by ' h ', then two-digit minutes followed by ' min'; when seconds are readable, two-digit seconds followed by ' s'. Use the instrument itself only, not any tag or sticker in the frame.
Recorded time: 8 h 23 min 47 s
